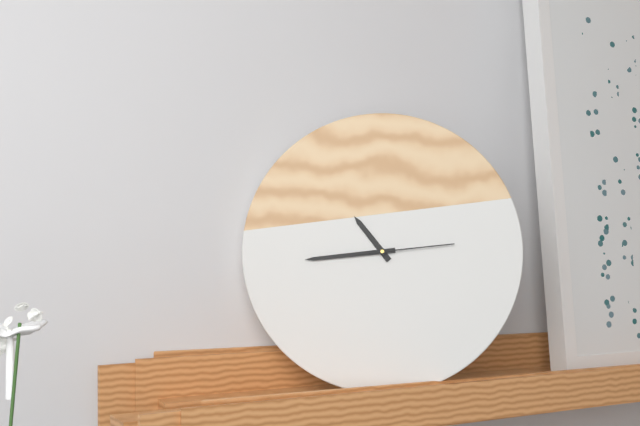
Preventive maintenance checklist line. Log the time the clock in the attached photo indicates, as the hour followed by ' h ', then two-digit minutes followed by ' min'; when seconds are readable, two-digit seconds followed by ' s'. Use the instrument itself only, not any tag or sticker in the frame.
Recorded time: 10 h 44 min 14 s
